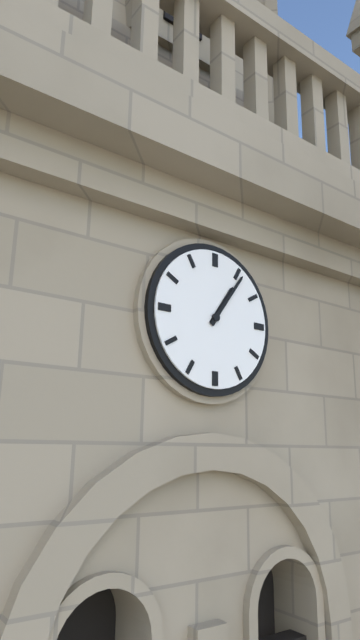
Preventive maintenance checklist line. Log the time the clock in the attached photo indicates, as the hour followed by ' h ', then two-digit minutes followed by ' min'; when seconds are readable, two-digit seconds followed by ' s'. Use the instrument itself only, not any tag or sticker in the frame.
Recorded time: 1 h 06 min
